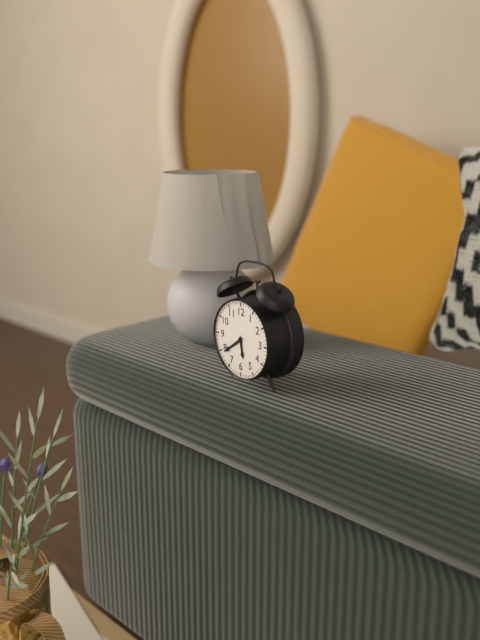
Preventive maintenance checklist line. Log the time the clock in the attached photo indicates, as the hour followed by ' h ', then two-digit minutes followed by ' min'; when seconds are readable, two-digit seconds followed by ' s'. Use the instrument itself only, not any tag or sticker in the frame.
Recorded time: 5 h 39 min
